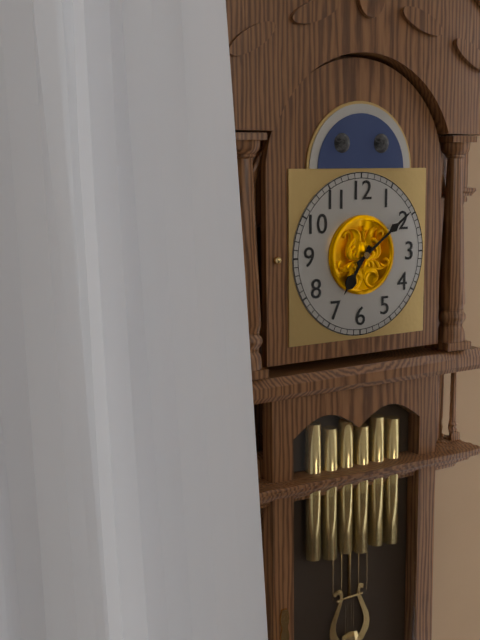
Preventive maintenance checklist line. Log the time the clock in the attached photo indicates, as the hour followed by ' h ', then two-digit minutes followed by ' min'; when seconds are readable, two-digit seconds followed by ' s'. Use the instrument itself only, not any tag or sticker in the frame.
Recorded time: 7 h 09 min
